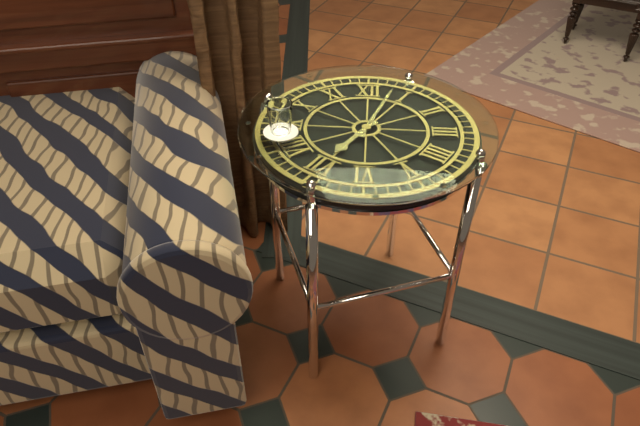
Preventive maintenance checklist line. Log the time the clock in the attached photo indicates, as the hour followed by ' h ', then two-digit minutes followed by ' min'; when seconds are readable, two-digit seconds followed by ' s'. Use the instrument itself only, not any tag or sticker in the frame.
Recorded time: 7 h 03 min
